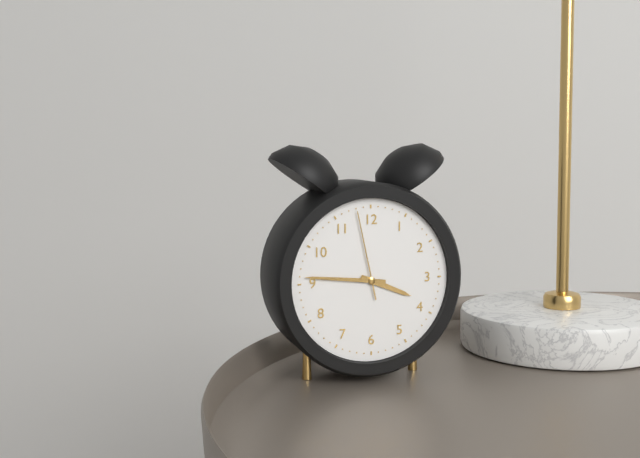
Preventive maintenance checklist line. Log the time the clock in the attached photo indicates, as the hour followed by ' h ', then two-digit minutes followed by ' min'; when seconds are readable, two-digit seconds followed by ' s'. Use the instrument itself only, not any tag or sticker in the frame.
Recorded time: 3 h 46 min 58 s
